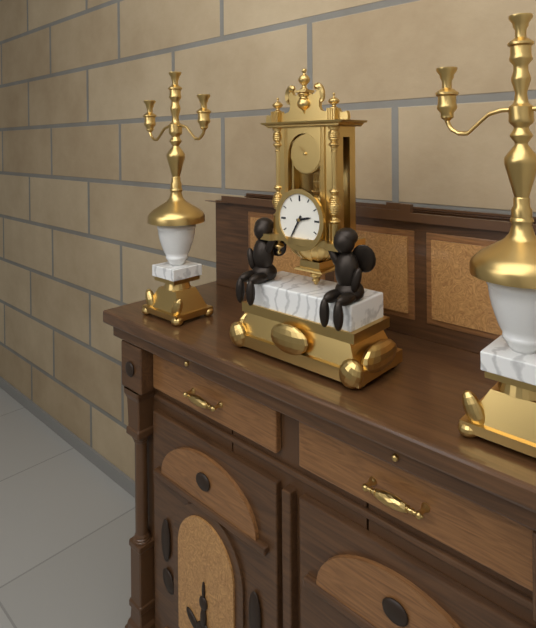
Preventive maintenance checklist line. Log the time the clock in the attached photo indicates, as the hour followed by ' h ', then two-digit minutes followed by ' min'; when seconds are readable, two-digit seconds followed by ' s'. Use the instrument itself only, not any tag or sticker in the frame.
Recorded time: 2 h 35 min
